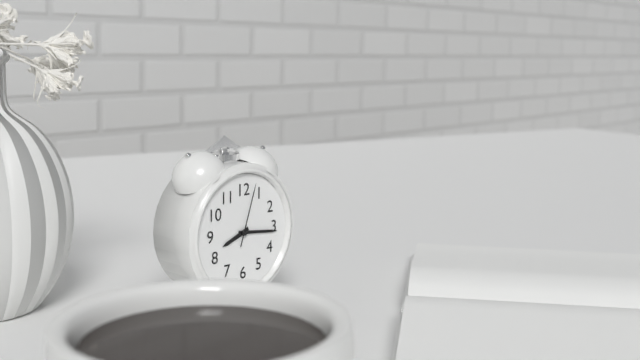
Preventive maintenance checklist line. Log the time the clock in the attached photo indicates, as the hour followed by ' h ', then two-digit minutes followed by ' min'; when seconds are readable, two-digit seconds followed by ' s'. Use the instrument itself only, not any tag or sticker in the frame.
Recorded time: 8 h 16 min 03 s
